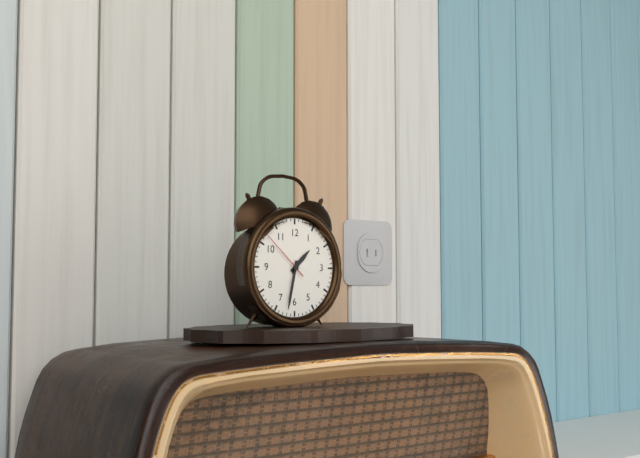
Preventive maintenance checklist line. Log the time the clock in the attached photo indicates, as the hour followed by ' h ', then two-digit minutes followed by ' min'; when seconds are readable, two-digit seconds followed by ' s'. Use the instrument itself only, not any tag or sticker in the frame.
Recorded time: 1 h 32 min 52 s
